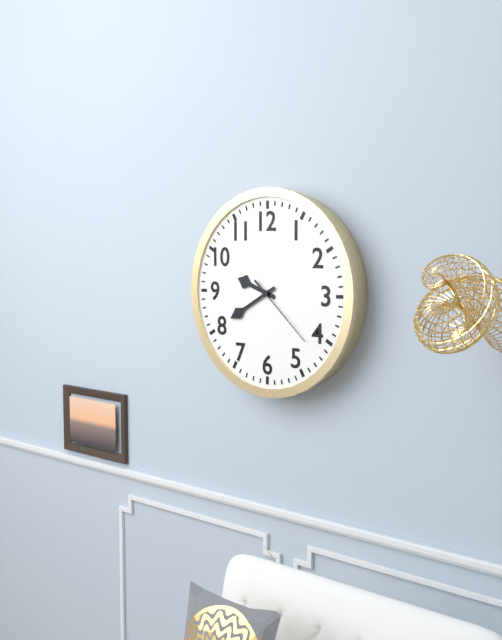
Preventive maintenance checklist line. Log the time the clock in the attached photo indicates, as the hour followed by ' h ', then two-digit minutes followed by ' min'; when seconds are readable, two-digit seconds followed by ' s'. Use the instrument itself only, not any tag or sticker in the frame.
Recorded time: 9 h 40 min 22 s
